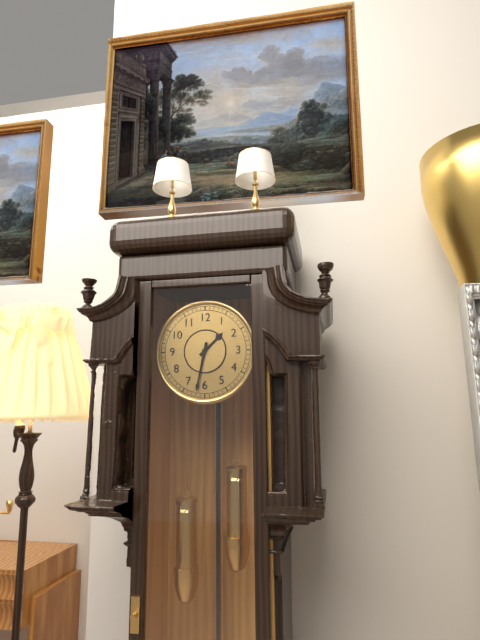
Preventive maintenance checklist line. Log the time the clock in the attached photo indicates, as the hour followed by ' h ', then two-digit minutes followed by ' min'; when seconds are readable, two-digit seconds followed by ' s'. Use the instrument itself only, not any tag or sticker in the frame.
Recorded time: 1 h 32 min
